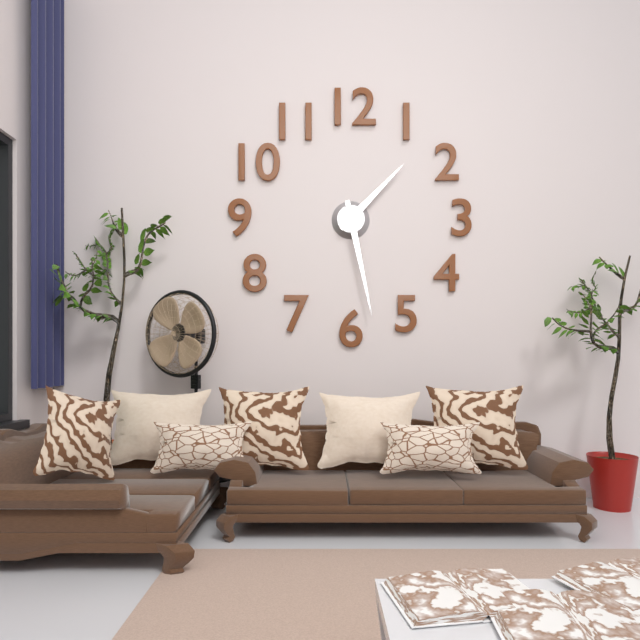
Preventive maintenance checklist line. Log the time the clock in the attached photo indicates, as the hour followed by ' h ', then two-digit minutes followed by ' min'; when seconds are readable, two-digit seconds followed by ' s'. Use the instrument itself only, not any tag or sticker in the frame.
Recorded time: 1 h 28 min
